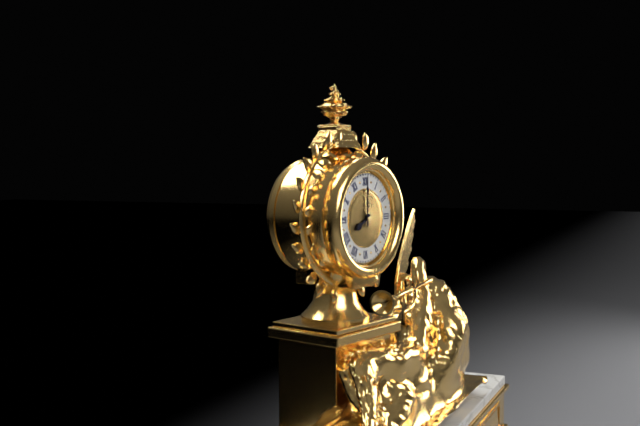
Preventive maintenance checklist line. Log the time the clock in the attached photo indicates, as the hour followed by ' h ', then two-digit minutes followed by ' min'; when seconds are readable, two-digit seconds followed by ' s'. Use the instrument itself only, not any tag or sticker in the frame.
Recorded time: 8 h 00 min
